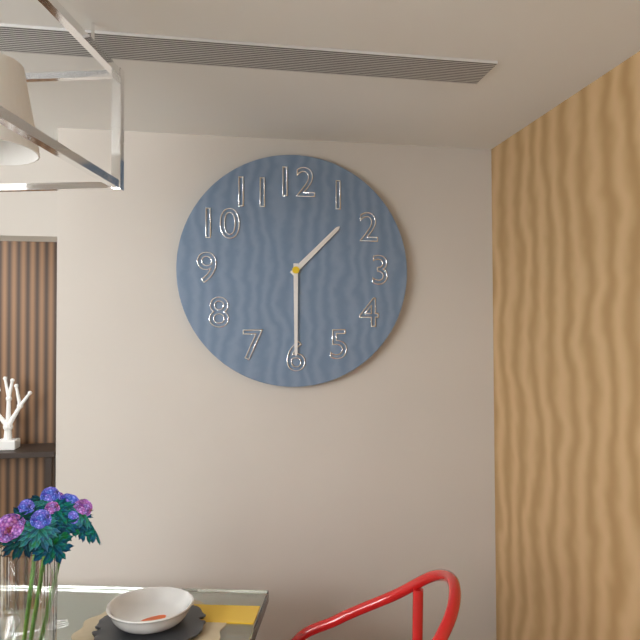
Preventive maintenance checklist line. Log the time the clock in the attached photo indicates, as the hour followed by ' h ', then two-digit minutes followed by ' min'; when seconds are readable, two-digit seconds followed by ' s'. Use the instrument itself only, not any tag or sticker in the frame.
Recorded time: 1 h 30 min
